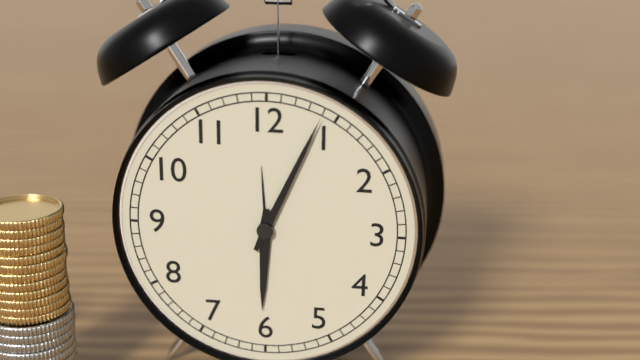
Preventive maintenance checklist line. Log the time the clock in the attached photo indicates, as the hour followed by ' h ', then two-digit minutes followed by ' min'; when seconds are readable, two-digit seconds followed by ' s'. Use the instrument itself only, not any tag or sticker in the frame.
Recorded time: 6 h 04 min
